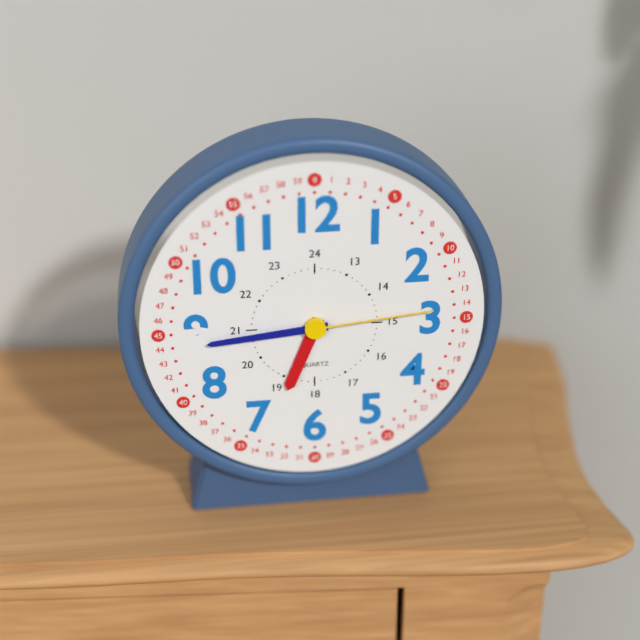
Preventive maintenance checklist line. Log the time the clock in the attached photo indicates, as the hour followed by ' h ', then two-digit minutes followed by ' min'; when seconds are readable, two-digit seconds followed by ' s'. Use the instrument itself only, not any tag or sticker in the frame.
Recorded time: 6 h 44 min 14 s
